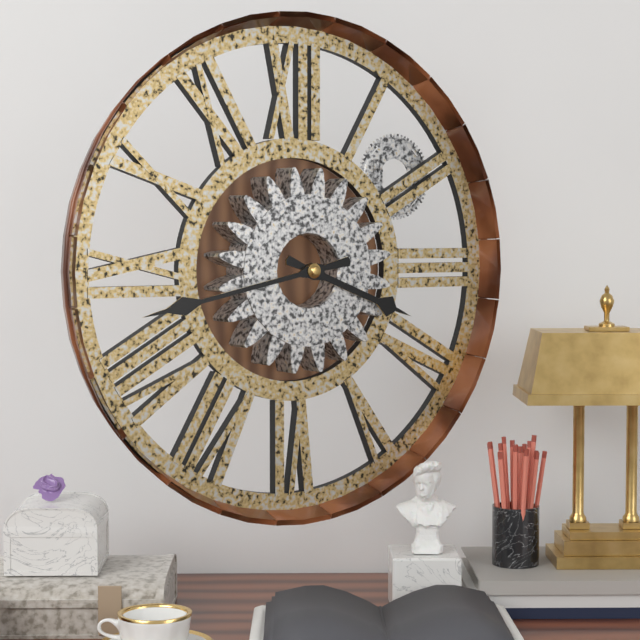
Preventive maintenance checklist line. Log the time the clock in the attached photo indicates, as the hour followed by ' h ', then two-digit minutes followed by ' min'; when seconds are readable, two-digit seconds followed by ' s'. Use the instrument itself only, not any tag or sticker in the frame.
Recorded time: 3 h 43 min
